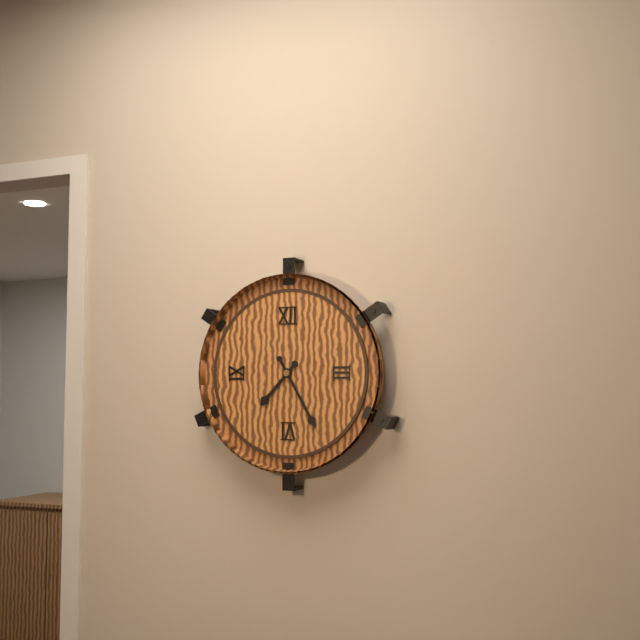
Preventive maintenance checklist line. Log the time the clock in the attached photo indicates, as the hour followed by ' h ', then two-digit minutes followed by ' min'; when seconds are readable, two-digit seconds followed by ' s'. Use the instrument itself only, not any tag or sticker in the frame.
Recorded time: 7 h 25 min
